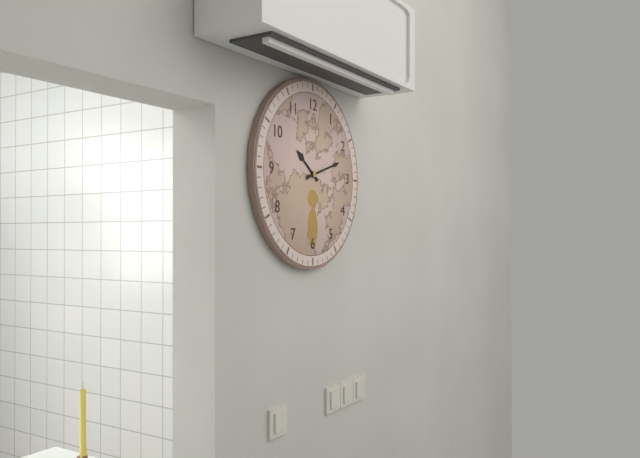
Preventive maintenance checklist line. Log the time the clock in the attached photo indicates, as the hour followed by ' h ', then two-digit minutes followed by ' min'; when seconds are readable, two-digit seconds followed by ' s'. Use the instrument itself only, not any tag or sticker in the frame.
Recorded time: 10 h 12 min
